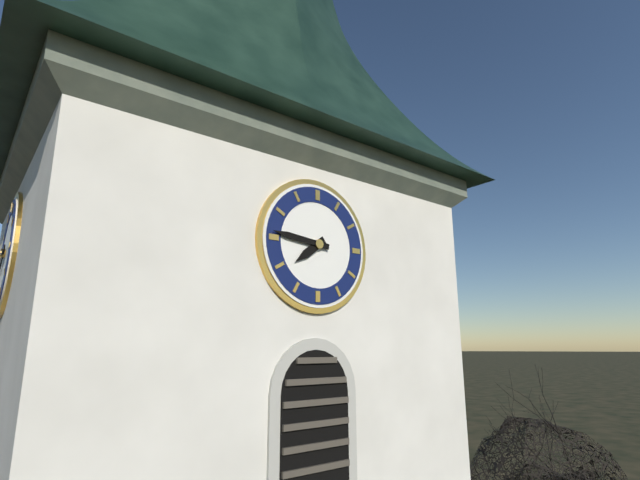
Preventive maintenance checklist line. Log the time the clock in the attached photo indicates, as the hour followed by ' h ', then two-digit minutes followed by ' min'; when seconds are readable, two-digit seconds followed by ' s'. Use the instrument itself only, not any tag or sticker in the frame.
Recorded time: 7 h 46 min
